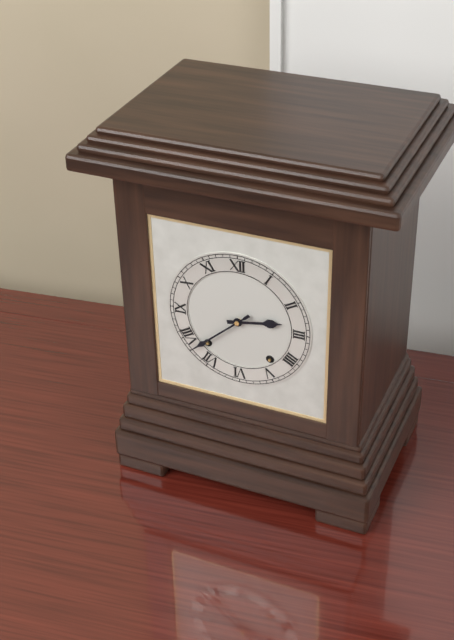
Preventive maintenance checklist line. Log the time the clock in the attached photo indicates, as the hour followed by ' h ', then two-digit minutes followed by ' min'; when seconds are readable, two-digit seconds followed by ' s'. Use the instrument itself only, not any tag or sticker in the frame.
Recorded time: 2 h 38 min
